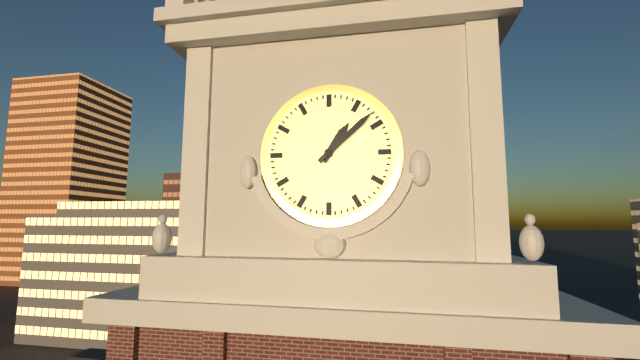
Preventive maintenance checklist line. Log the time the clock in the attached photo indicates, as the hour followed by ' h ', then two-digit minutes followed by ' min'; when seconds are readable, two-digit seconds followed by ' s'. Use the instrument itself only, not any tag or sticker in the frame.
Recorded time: 1 h 08 min
